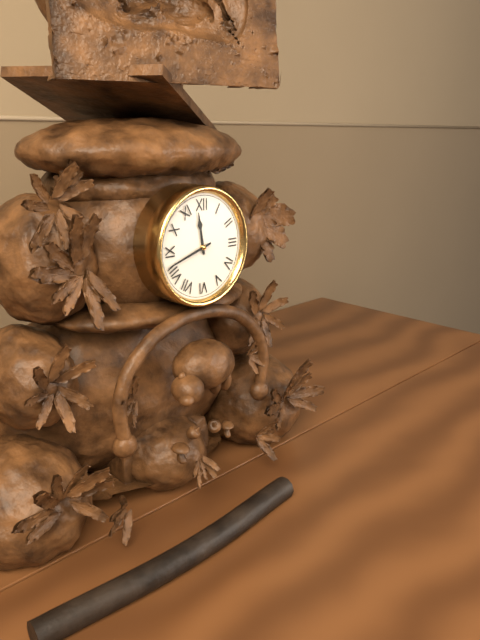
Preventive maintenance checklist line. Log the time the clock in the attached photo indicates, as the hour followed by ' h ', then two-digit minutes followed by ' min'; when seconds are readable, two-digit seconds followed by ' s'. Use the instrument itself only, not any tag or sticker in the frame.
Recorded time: 11 h 42 min
